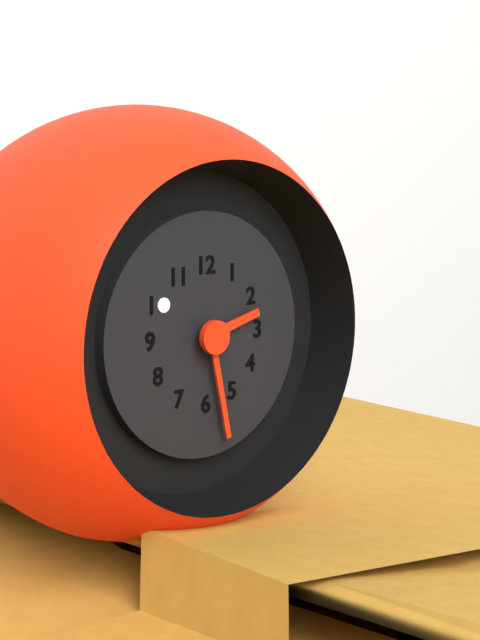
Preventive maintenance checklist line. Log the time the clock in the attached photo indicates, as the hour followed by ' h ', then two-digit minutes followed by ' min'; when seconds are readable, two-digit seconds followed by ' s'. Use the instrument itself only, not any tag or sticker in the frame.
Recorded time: 2 h 28 min
